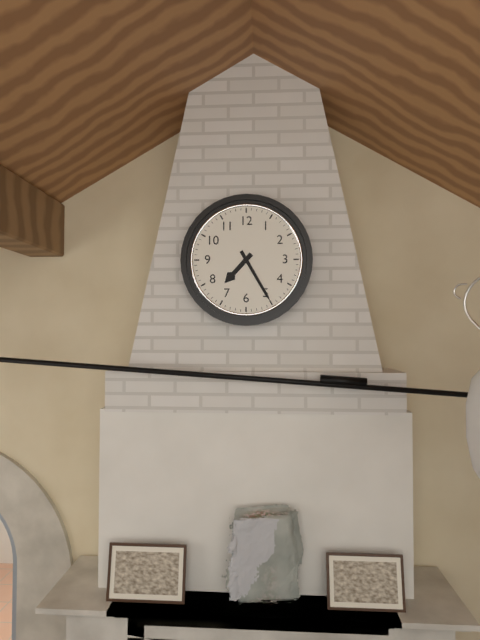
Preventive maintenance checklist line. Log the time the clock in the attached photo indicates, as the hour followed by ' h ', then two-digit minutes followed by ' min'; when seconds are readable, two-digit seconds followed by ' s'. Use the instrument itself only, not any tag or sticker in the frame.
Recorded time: 7 h 25 min
